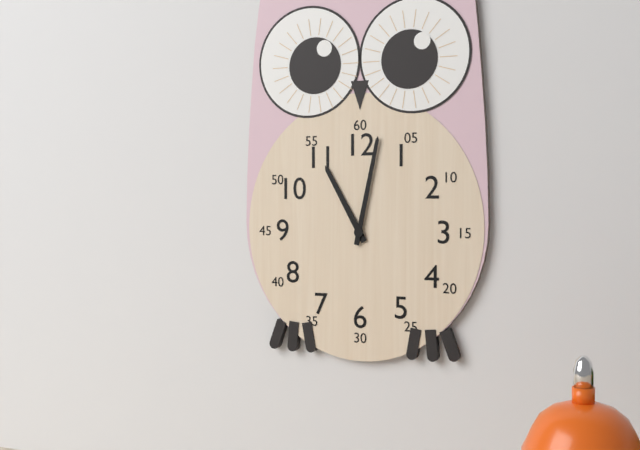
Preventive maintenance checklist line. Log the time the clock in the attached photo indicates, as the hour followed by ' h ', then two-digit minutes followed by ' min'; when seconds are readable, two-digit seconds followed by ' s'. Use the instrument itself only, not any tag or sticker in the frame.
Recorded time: 11 h 02 min
